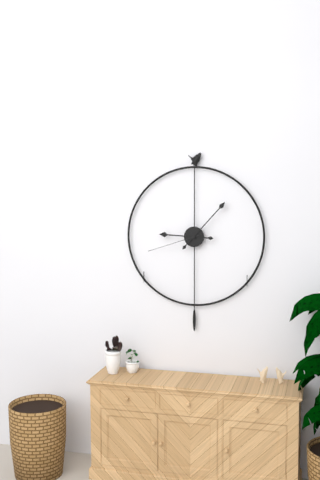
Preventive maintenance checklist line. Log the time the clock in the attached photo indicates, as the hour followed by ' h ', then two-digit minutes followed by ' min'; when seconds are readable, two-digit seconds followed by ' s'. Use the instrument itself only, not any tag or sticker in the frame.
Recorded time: 9 h 07 min 42 s
